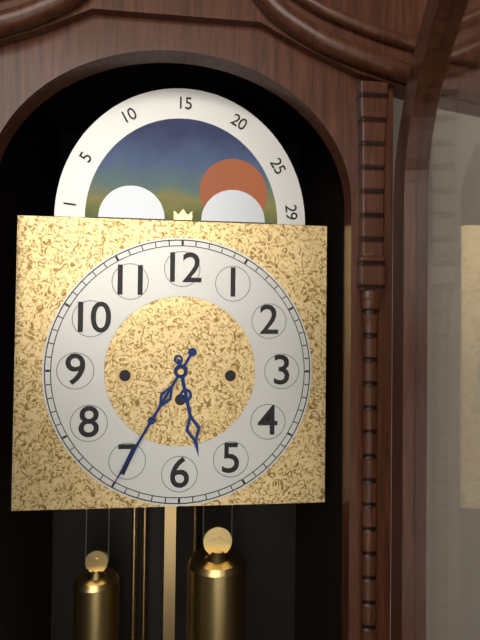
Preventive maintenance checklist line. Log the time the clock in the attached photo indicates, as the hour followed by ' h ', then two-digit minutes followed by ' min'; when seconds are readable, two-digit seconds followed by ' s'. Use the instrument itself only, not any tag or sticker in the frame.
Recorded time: 5 h 35 min
